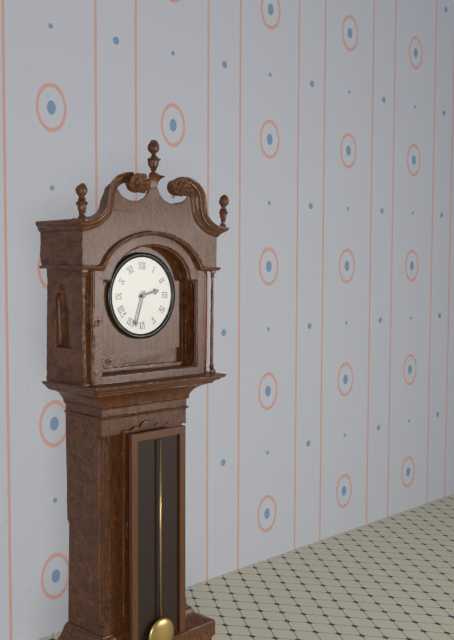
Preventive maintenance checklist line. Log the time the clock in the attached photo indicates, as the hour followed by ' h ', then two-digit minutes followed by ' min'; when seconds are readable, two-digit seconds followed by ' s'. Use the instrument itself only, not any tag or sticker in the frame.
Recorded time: 2 h 33 min
